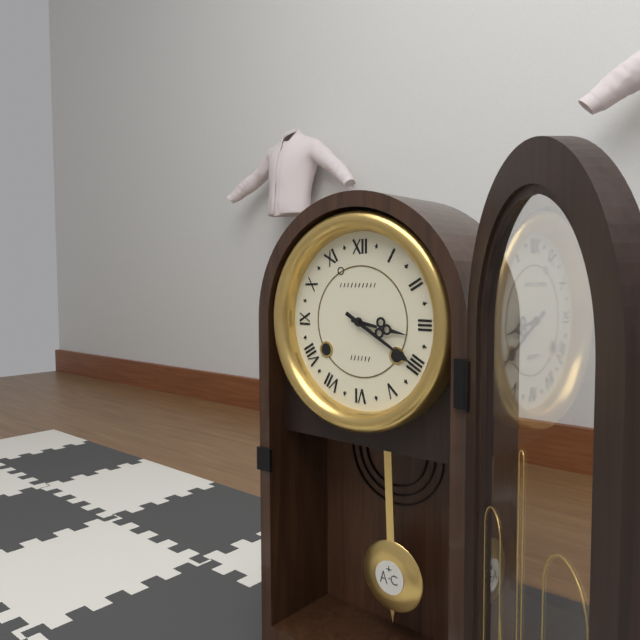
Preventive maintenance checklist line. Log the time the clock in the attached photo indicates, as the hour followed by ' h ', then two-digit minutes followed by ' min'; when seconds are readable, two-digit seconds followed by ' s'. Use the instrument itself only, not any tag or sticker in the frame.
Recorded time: 3 h 20 min
